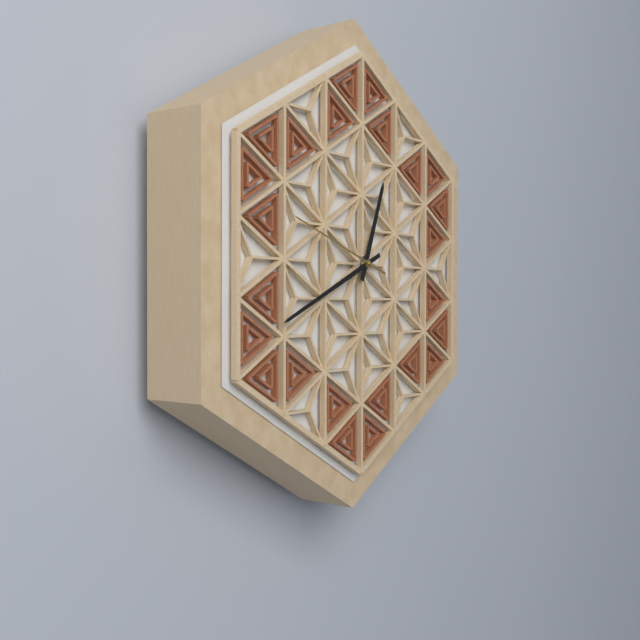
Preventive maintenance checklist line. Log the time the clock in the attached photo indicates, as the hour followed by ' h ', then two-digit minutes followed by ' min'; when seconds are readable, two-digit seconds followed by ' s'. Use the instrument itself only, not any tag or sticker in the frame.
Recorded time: 12 h 41 min 48 s
